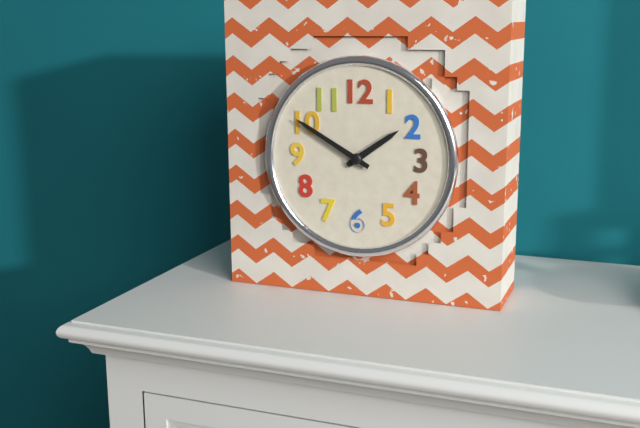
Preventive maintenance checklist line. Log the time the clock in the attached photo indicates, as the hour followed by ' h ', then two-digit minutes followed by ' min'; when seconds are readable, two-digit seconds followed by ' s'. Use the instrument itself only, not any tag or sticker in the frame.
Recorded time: 1 h 50 min
